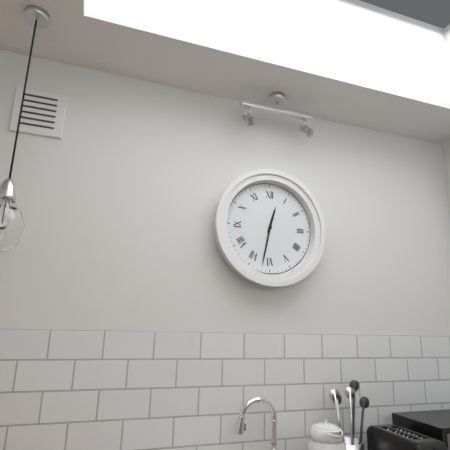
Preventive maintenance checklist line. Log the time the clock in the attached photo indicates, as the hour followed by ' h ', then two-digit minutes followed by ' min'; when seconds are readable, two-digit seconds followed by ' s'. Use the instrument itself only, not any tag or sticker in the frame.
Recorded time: 12 h 32 min
